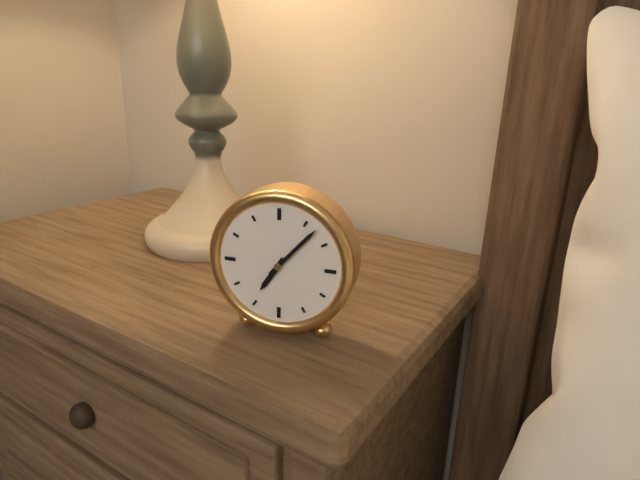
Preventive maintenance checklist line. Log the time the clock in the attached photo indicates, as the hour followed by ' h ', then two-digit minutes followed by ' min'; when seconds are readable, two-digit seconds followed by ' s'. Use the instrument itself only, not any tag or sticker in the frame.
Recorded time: 7 h 07 min
